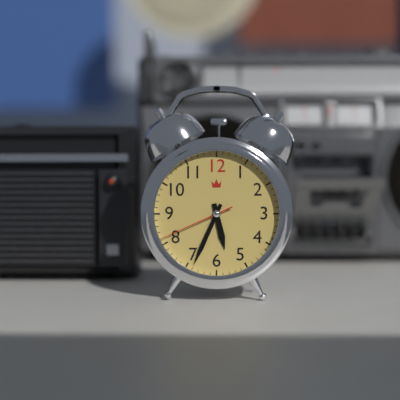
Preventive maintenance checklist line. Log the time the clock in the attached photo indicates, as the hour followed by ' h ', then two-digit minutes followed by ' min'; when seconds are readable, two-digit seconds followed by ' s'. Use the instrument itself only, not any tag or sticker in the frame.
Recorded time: 5 h 34 min 41 s
